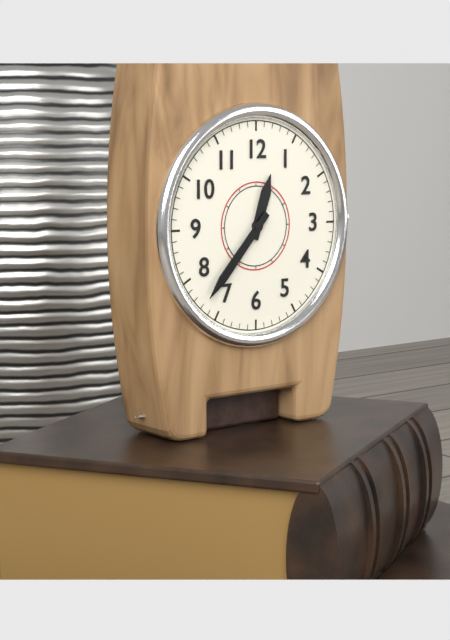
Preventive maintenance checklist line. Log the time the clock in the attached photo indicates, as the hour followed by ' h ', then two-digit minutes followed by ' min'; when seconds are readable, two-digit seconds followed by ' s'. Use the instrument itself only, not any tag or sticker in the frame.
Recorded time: 12 h 37 min
